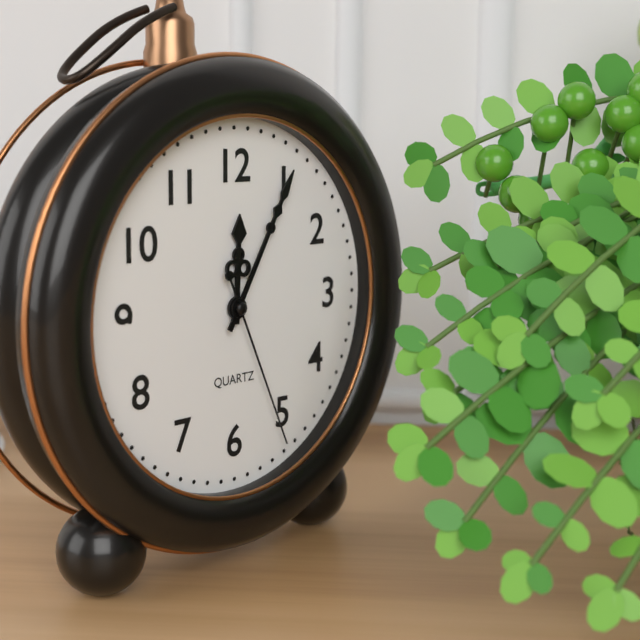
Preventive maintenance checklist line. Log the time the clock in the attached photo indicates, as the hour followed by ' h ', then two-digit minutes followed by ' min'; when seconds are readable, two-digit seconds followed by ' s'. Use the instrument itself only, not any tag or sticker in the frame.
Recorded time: 12 h 05 min 26 s
